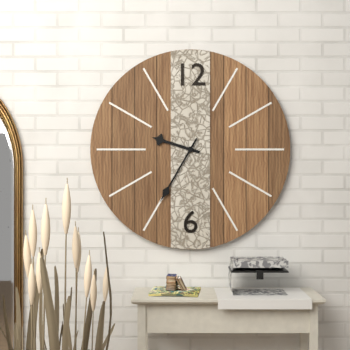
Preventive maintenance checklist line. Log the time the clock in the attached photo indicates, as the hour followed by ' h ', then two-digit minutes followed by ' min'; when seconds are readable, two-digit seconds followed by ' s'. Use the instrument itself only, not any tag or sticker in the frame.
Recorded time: 9 h 35 min
